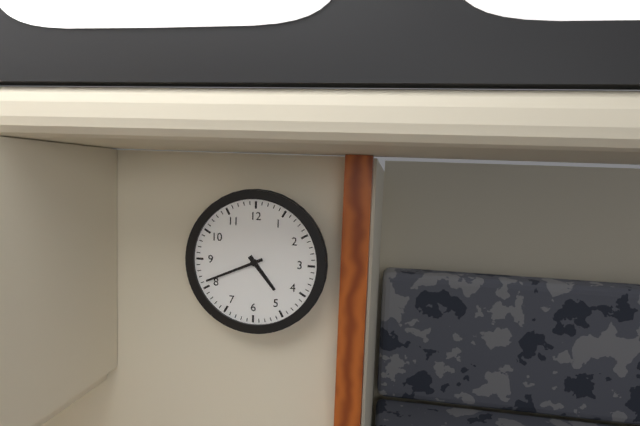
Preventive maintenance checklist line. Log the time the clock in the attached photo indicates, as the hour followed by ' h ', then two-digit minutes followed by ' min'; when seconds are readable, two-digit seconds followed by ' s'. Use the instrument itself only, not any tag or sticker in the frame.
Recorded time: 4 h 41 min
